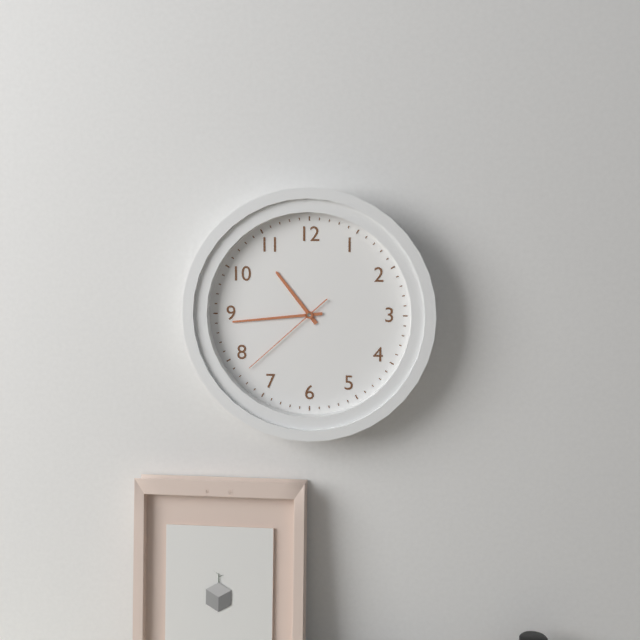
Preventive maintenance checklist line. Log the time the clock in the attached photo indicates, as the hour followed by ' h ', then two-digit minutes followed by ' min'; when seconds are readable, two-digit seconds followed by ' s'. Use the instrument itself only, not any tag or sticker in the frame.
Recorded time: 10 h 44 min 38 s
